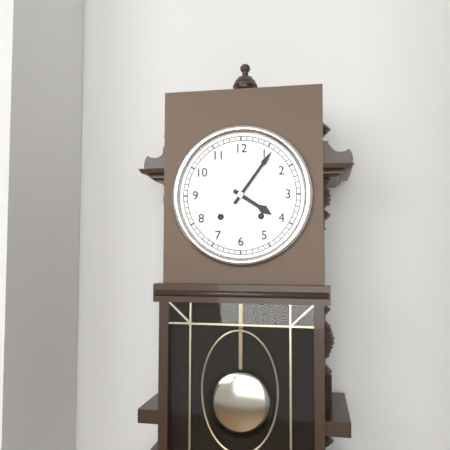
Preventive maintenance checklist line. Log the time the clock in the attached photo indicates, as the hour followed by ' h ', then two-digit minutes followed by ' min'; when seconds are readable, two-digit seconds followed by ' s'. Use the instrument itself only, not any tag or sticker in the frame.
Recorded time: 4 h 06 min
